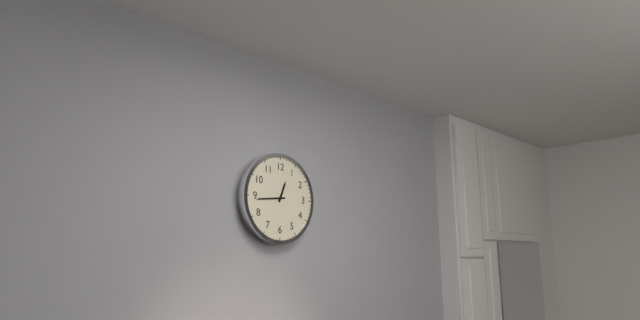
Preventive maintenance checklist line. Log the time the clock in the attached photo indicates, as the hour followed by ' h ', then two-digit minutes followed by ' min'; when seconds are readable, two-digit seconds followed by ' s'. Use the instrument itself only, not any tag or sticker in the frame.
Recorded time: 12 h 44 min
